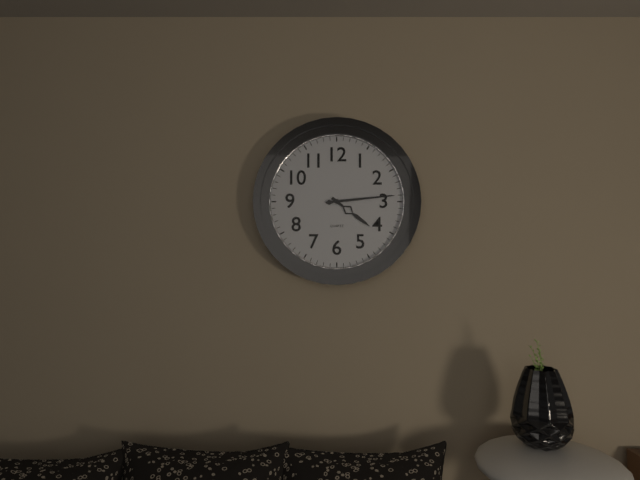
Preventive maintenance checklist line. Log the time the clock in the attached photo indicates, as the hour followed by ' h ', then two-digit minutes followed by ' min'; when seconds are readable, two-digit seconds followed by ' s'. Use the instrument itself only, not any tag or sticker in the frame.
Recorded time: 4 h 14 min
